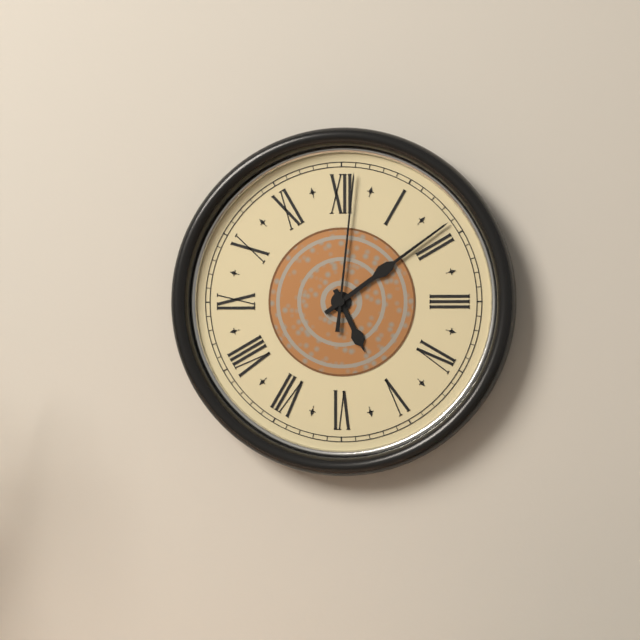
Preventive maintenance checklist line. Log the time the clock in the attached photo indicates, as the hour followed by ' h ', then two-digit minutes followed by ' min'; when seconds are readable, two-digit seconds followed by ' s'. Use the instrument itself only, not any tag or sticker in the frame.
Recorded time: 5 h 09 min 01 s
